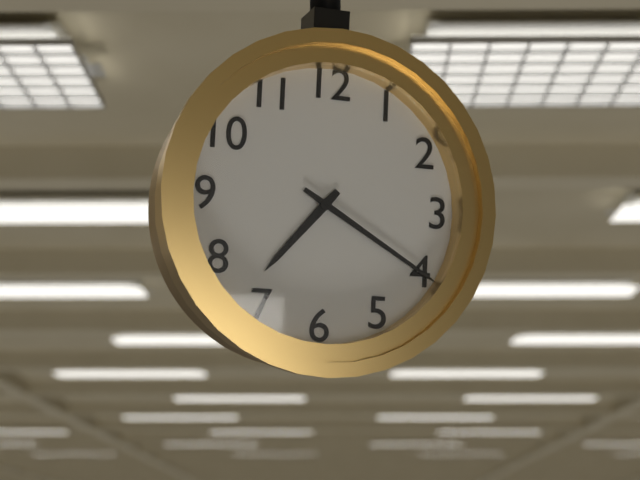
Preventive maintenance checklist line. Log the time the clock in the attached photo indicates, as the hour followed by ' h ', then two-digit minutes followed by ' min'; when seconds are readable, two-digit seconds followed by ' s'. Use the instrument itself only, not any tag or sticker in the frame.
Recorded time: 7 h 20 min
